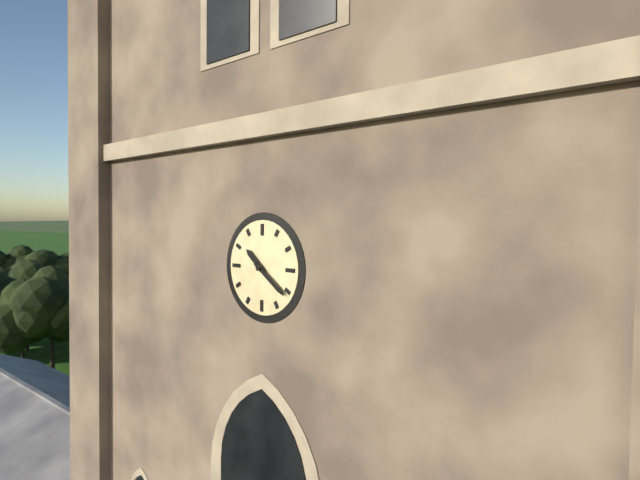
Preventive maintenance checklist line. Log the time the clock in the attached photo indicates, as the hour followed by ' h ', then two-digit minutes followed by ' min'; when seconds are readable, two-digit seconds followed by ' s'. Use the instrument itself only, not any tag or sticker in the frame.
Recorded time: 10 h 21 min
